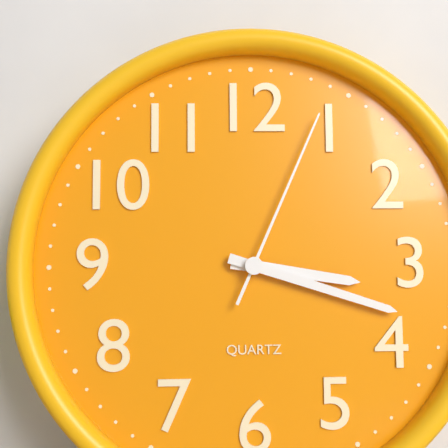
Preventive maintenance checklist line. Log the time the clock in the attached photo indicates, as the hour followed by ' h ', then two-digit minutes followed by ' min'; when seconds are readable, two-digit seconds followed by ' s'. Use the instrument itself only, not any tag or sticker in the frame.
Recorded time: 3 h 18 min 04 s
